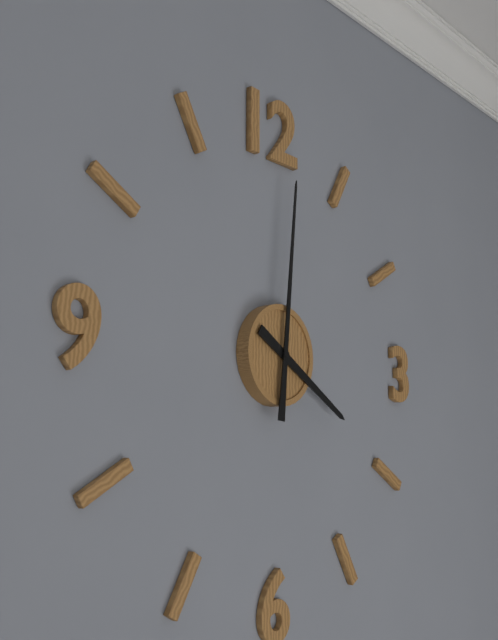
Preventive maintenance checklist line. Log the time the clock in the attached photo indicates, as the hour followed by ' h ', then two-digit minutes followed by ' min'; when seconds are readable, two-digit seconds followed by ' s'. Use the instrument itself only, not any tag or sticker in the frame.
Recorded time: 4 h 01 min
